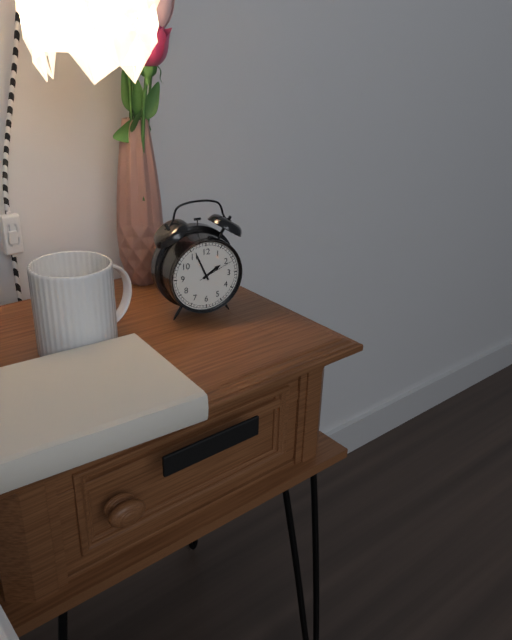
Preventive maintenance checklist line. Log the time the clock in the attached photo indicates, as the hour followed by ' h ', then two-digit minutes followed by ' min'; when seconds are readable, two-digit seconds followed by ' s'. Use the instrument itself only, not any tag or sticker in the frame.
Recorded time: 1 h 56 min
